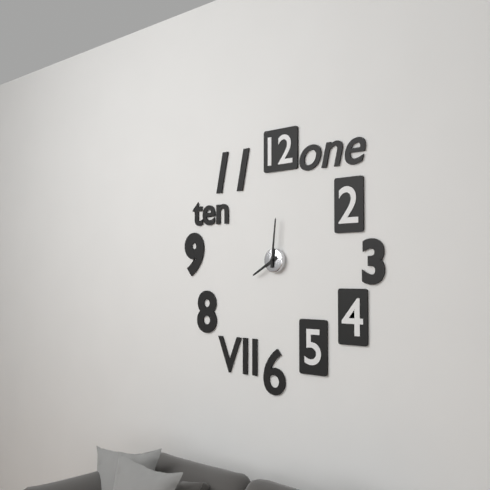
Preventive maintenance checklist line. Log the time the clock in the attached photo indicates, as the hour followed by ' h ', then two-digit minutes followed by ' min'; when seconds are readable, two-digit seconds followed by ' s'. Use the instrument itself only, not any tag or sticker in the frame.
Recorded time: 8 h 01 min
